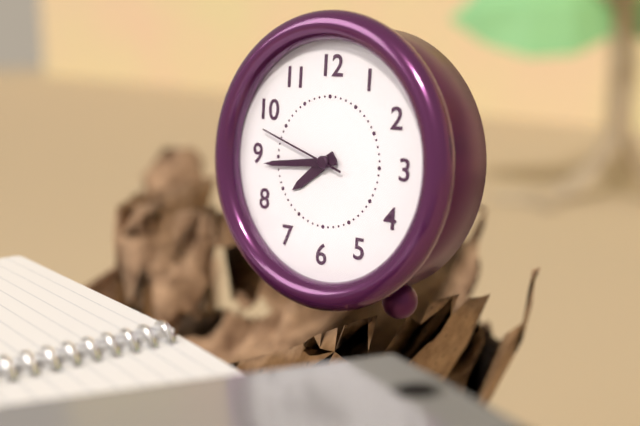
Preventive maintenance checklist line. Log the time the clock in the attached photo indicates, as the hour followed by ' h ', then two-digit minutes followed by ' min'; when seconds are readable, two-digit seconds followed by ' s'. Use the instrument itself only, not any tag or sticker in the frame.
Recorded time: 7 h 44 min 48 s
